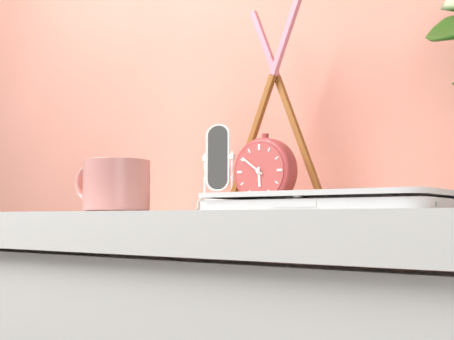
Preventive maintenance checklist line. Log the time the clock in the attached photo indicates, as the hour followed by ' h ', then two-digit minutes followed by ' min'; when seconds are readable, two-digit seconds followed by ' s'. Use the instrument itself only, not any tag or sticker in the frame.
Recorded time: 5 h 51 min
